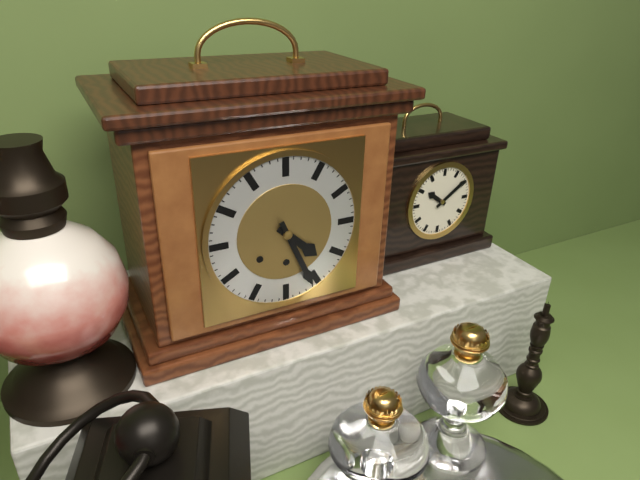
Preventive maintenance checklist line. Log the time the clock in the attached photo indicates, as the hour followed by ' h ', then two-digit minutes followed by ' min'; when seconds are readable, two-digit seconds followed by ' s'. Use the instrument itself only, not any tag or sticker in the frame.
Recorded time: 4 h 26 min
